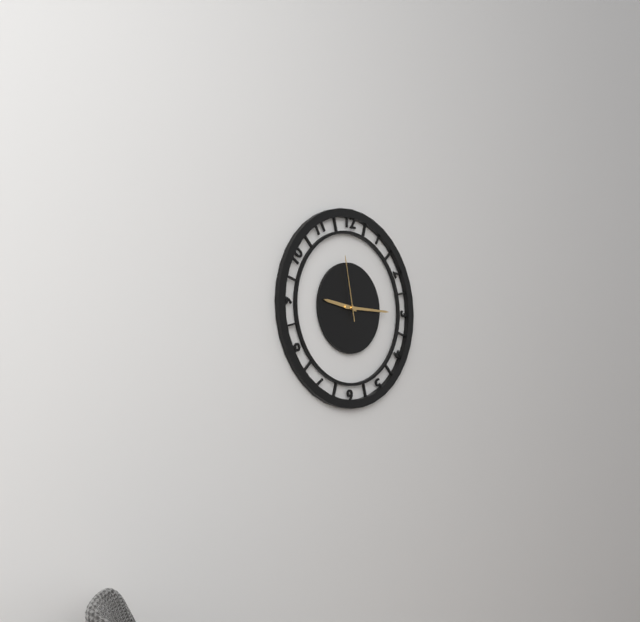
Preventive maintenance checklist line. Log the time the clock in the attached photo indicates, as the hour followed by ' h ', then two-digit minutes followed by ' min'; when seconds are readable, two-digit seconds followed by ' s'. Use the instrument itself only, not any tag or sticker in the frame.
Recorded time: 9 h 15 min 58 s
